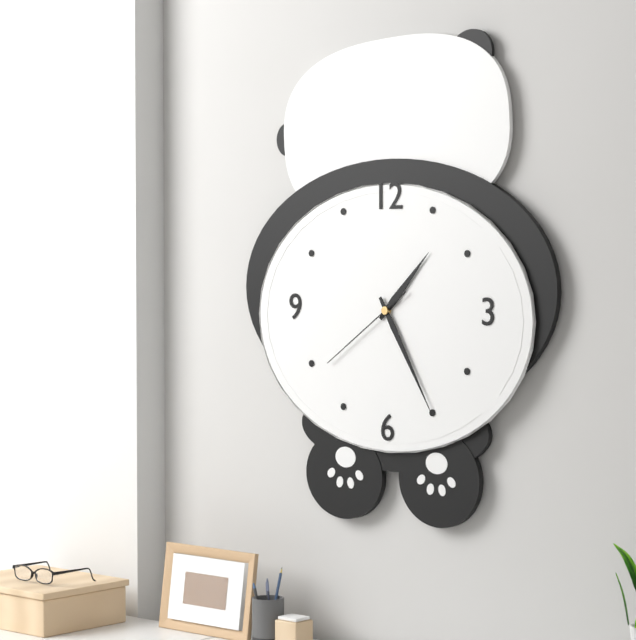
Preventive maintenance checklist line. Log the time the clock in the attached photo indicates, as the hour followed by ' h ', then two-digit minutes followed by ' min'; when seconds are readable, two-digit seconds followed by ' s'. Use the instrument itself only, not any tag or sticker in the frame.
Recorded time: 1 h 25 min 39 s
